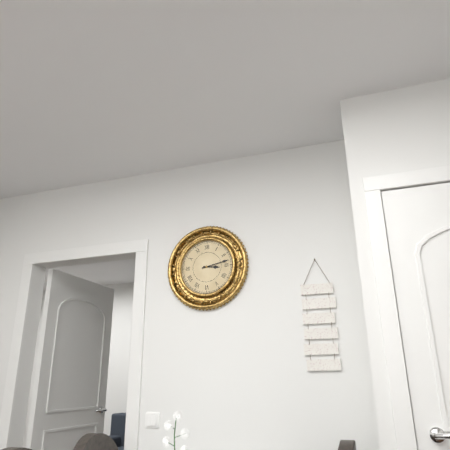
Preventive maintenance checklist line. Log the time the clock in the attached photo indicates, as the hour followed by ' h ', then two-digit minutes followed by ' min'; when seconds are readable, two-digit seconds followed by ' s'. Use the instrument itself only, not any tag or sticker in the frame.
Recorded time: 3 h 13 min
